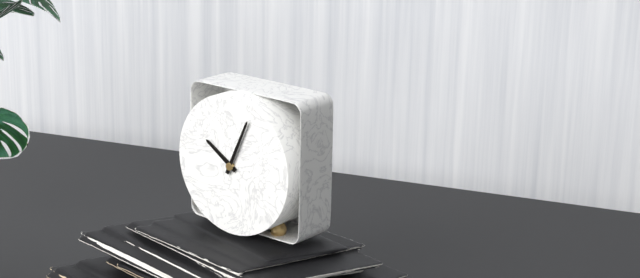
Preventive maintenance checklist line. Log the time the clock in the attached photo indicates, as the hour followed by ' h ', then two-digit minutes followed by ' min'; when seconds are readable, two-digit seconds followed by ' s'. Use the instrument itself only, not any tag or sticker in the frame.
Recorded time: 10 h 04 min
